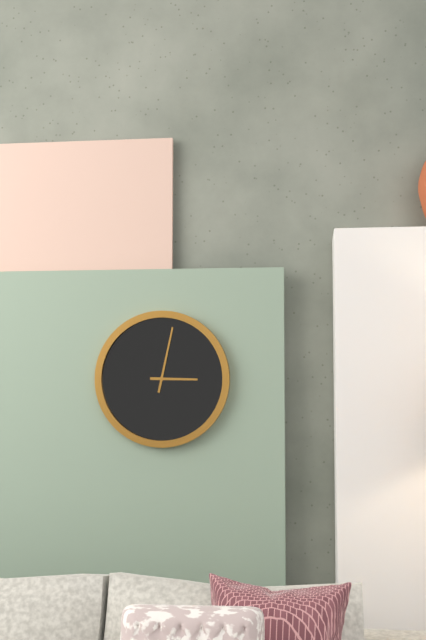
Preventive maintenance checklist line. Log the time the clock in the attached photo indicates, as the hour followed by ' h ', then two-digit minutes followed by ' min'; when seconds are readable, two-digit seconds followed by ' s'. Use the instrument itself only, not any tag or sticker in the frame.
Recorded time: 3 h 02 min
